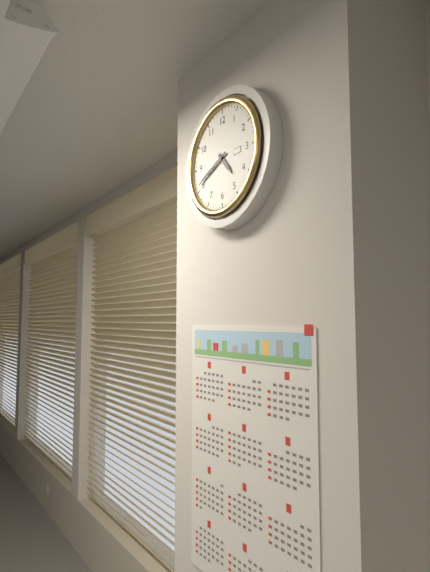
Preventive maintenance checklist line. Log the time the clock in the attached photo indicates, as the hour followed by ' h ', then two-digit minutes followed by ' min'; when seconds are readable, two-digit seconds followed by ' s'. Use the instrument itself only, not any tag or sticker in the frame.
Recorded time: 4 h 41 min
